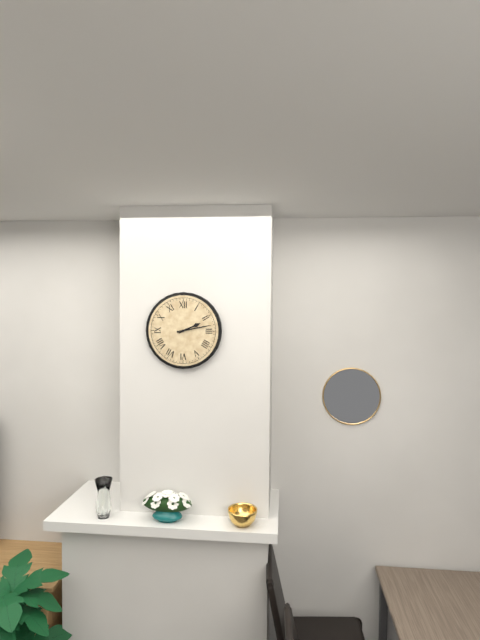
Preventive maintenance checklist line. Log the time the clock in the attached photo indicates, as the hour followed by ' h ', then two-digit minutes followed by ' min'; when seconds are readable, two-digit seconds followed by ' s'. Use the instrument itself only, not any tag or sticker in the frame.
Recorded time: 2 h 13 min
